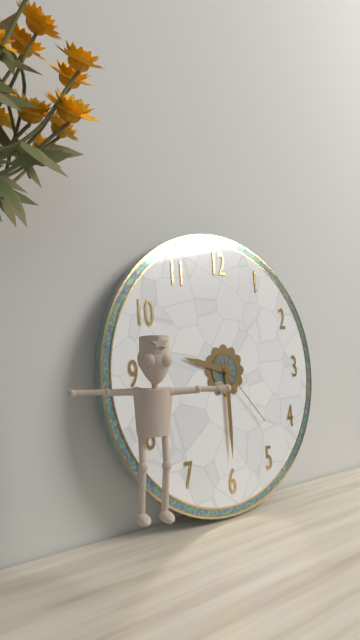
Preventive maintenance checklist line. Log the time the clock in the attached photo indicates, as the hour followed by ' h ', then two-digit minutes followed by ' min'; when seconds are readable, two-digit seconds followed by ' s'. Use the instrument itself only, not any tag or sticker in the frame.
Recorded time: 9 h 30 min 23 s
